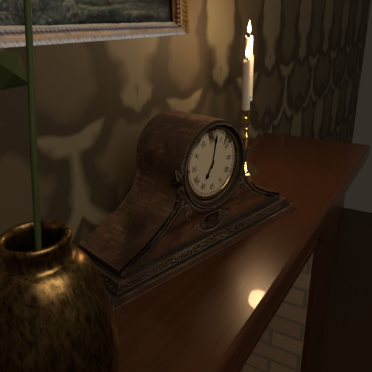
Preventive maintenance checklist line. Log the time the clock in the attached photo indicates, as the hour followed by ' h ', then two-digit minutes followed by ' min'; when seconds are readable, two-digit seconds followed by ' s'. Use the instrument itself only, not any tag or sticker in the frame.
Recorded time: 7 h 02 min
